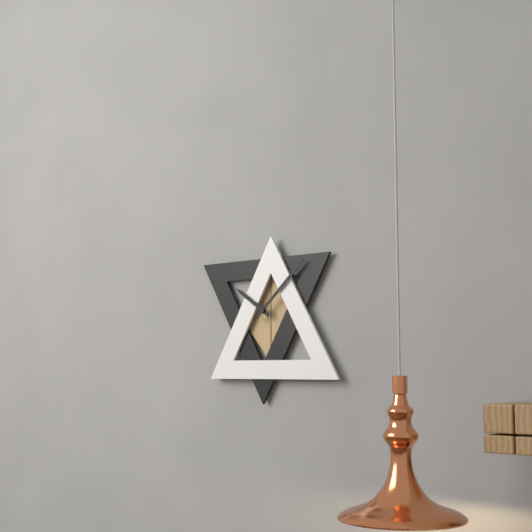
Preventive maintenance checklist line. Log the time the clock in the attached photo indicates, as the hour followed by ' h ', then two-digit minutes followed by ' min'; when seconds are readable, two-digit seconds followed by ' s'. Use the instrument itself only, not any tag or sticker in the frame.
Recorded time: 10 h 08 min
